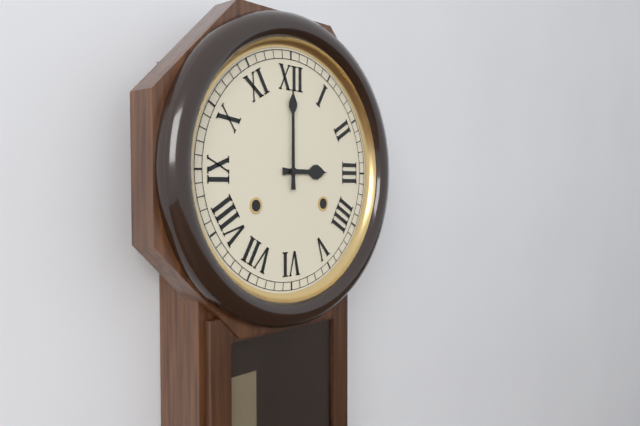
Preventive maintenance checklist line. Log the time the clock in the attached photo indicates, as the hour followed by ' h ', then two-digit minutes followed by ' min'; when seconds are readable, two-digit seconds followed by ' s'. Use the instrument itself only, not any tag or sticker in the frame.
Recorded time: 3 h 00 min
